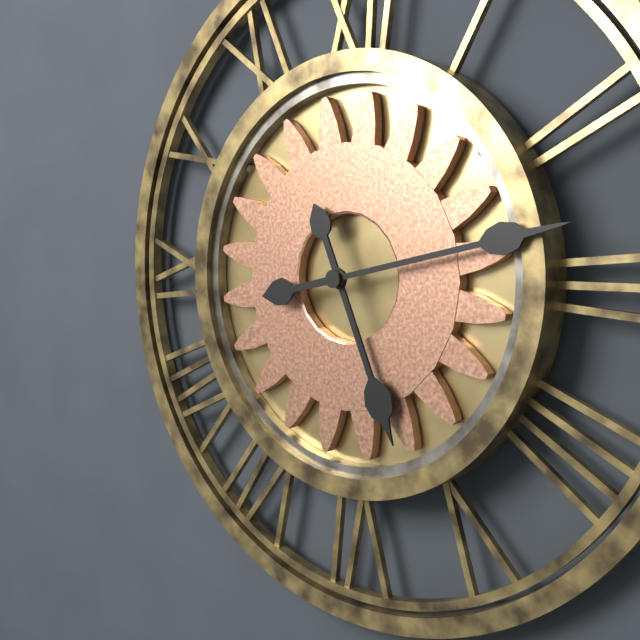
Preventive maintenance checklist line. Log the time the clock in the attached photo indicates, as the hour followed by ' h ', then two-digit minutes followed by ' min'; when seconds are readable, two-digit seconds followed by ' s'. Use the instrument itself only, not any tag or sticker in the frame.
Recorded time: 5 h 13 min
